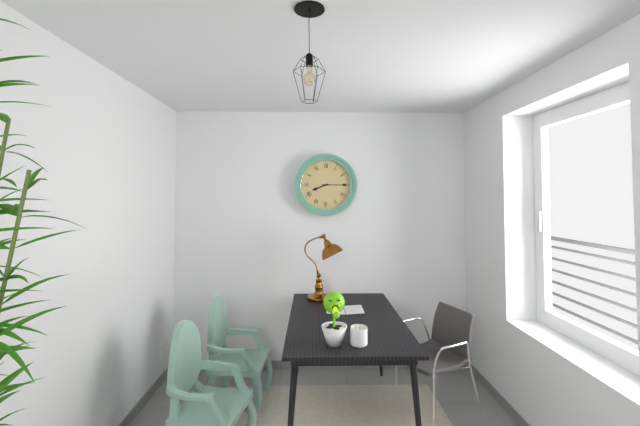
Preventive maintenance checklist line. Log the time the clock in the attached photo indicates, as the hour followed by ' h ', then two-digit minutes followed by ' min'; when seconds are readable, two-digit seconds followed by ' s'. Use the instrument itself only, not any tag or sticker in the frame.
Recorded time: 8 h 15 min
